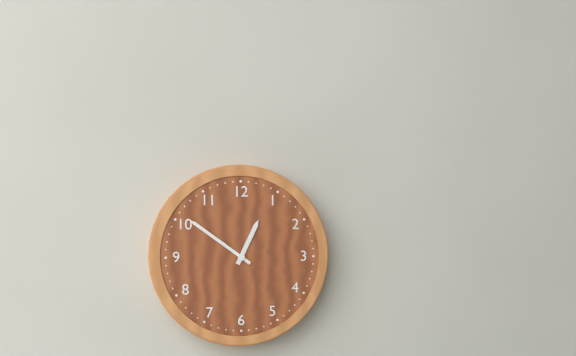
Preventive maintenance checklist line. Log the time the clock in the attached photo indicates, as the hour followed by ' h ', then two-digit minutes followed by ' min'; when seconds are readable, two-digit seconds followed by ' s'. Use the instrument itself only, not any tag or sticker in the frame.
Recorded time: 12 h 51 min
